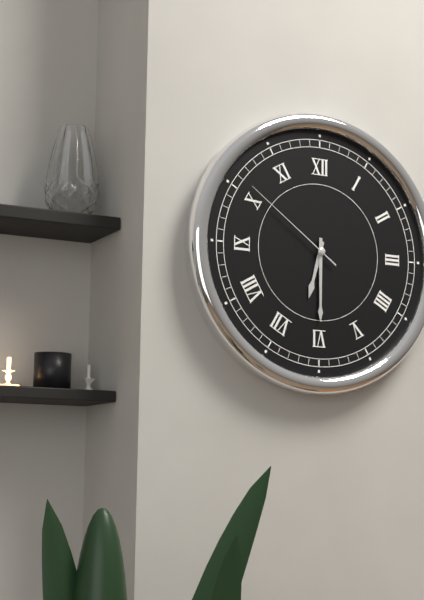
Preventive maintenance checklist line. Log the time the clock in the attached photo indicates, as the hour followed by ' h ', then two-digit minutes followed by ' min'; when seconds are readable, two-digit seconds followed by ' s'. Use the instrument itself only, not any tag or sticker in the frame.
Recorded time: 6 h 30 min 51 s
